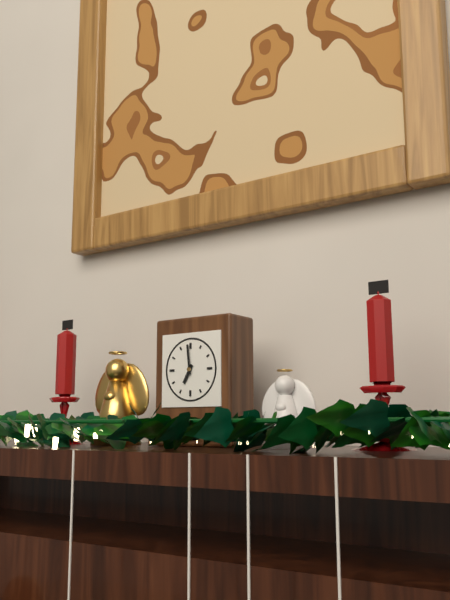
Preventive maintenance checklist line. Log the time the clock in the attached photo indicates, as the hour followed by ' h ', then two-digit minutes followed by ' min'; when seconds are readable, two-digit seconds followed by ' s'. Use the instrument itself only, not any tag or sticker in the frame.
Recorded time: 6 h 59 min
